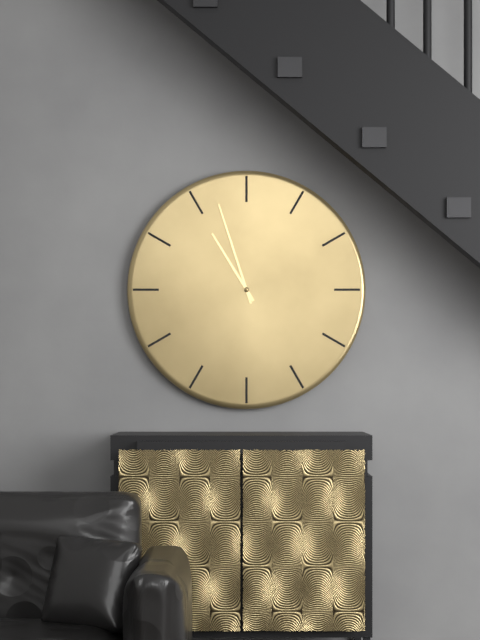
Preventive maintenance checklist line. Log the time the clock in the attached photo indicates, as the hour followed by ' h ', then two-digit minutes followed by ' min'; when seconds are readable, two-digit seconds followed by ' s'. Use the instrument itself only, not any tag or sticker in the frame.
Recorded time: 10 h 57 min
